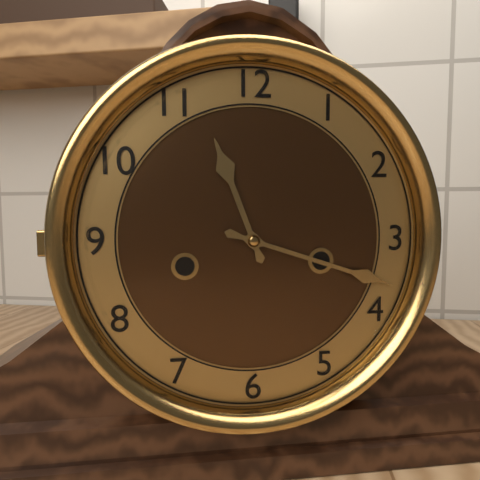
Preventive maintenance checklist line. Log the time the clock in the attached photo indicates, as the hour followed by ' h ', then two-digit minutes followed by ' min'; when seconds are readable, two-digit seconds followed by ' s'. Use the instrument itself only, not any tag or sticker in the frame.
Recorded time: 11 h 18 min
